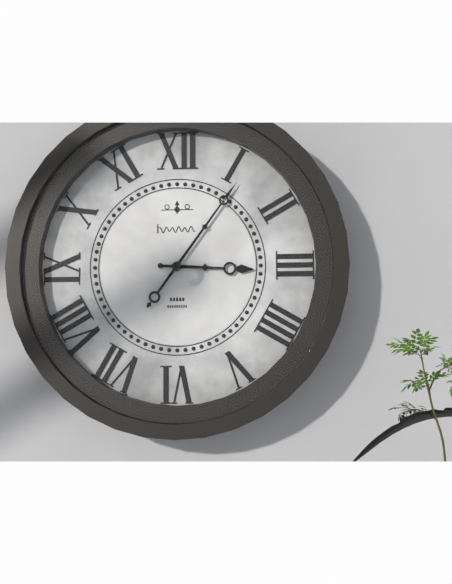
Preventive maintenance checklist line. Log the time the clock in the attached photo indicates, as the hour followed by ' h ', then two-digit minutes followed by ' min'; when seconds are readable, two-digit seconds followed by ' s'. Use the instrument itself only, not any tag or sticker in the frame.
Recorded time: 3 h 06 min
